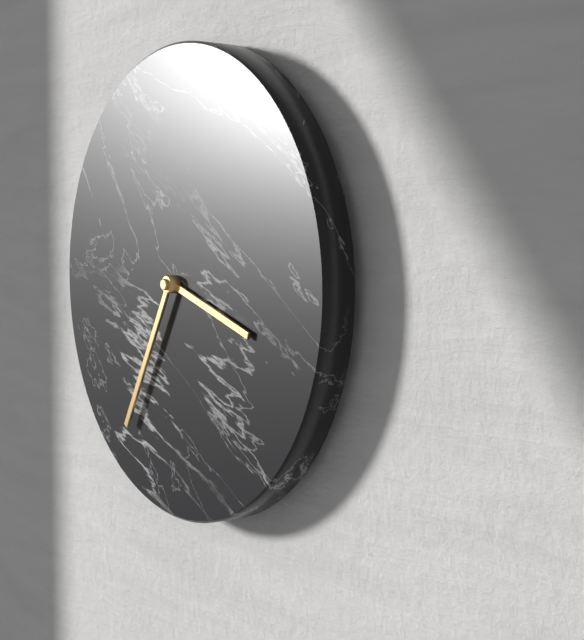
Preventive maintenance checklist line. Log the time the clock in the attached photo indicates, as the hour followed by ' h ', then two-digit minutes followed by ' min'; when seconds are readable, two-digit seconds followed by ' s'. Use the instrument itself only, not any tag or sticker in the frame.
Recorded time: 3 h 35 min
